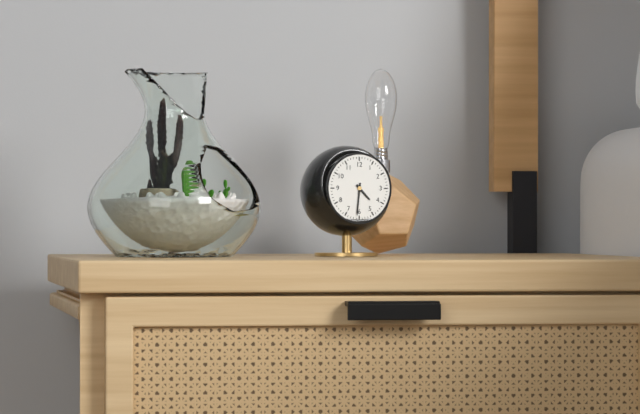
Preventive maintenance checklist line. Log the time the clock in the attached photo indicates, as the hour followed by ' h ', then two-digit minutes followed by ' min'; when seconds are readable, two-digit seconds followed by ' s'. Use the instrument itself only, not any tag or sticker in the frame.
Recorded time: 4 h 31 min
